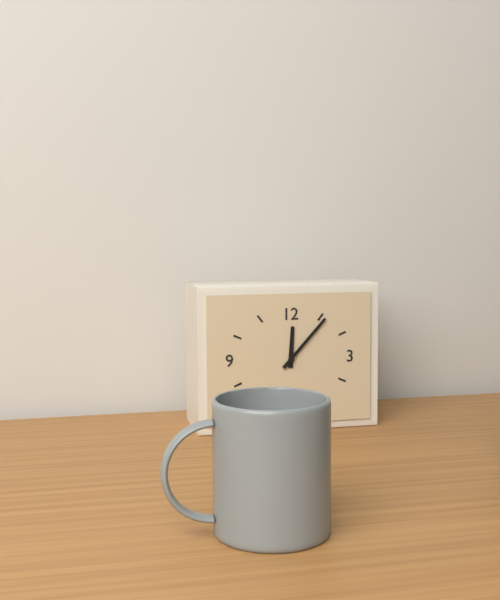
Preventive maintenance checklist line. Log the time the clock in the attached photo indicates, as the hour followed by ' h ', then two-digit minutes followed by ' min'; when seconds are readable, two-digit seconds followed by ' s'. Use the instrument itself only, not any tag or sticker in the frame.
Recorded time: 12 h 07 min
